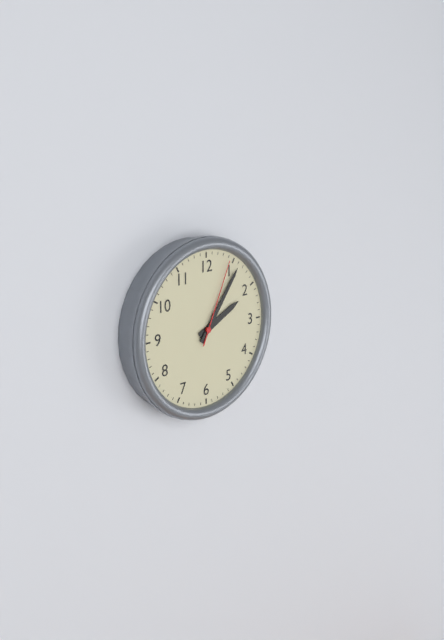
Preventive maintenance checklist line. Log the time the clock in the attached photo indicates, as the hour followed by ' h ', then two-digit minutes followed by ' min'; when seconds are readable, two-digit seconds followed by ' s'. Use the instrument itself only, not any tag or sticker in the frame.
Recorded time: 2 h 06 min 04 s
